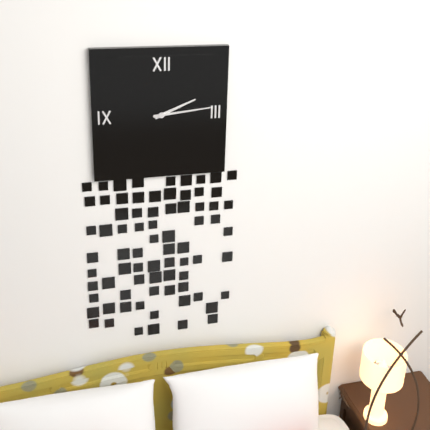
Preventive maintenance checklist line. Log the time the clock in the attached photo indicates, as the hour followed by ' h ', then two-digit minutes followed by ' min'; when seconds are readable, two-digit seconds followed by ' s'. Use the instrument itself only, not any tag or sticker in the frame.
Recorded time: 2 h 14 min
